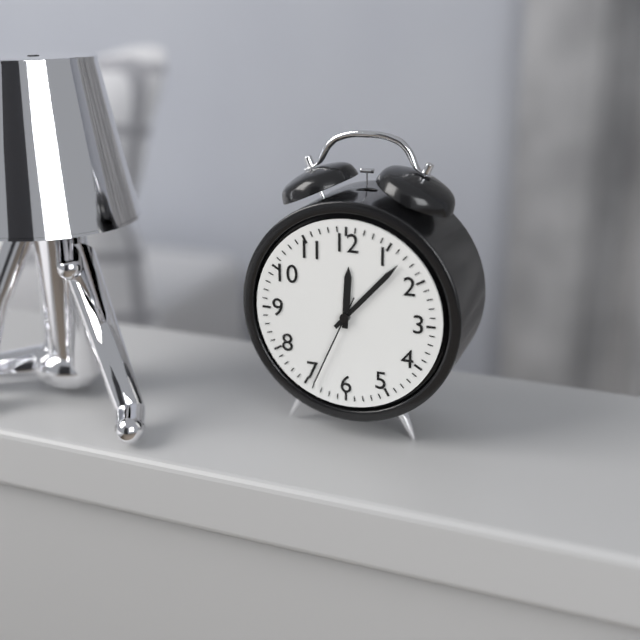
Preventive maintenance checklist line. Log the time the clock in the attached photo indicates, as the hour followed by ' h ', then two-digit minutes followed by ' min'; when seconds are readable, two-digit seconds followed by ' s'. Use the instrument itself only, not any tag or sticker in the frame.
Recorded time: 12 h 07 min 34 s
